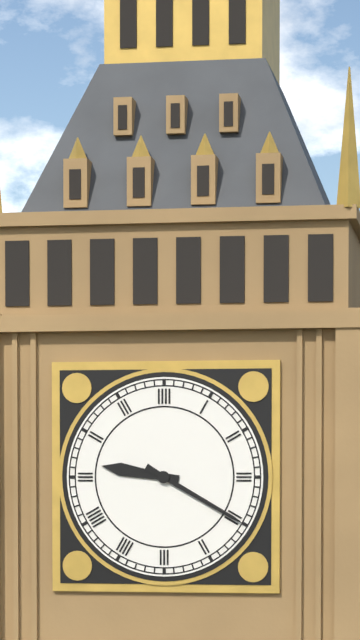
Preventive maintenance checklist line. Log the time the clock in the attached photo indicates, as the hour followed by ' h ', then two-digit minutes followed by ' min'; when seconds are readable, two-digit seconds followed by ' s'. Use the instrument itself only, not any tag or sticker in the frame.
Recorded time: 9 h 20 min
